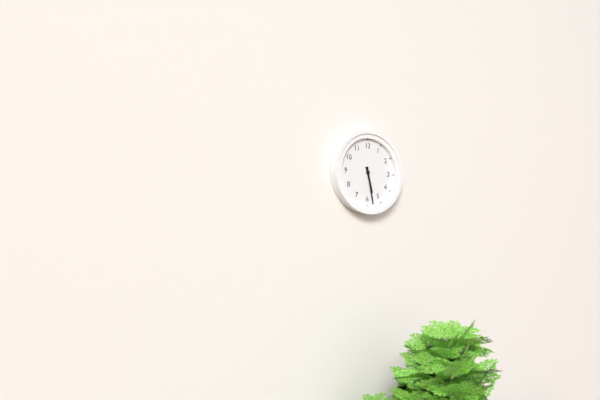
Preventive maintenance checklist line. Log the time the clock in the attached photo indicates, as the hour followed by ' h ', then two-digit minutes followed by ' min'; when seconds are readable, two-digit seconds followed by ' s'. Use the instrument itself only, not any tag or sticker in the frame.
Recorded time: 5 h 28 min
